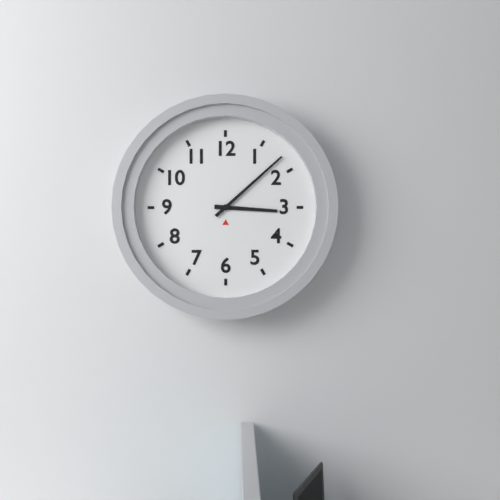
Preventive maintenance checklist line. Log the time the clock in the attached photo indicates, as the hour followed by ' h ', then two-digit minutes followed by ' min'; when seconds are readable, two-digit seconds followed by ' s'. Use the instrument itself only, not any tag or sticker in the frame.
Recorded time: 3 h 08 min
